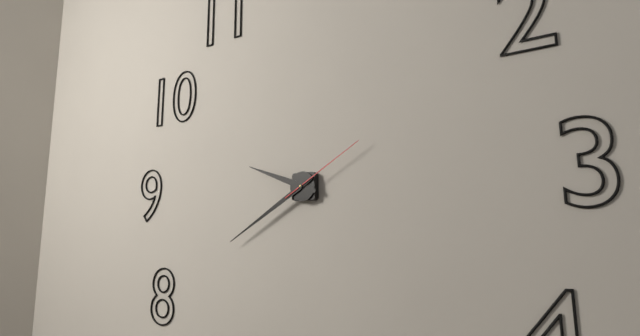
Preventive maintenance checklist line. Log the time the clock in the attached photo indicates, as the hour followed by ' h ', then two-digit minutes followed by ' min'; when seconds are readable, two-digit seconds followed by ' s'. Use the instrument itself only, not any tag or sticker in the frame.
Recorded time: 9 h 40 min 10 s
